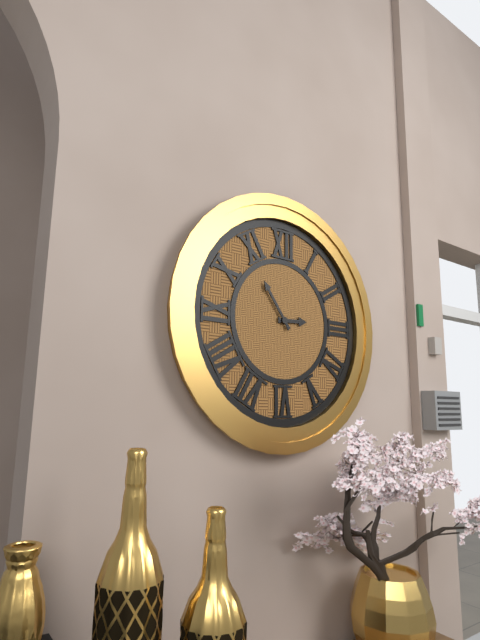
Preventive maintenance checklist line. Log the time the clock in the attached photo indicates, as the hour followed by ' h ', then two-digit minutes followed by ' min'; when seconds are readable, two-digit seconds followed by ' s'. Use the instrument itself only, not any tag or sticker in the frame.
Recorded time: 2 h 54 min
